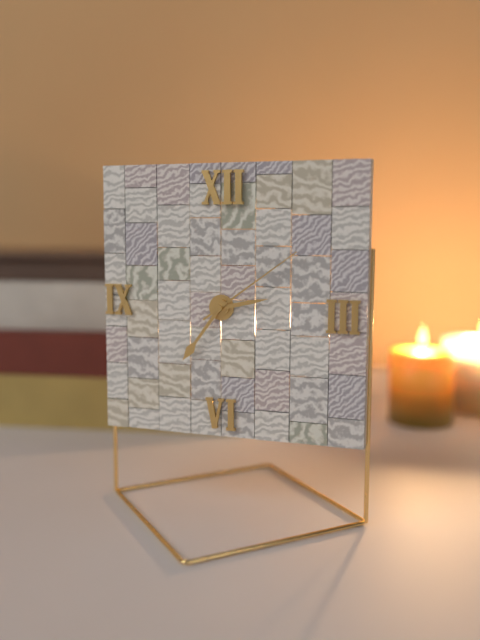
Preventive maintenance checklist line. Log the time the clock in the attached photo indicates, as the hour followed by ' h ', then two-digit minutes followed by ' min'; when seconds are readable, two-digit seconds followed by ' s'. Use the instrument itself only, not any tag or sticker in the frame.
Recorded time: 2 h 36 min 09 s
